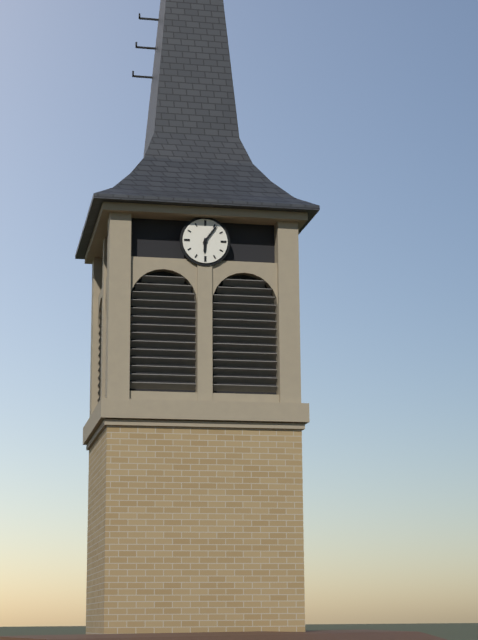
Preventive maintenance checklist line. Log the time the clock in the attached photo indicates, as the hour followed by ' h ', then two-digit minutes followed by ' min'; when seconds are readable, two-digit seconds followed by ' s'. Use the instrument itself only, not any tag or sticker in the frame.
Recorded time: 6 h 06 min
